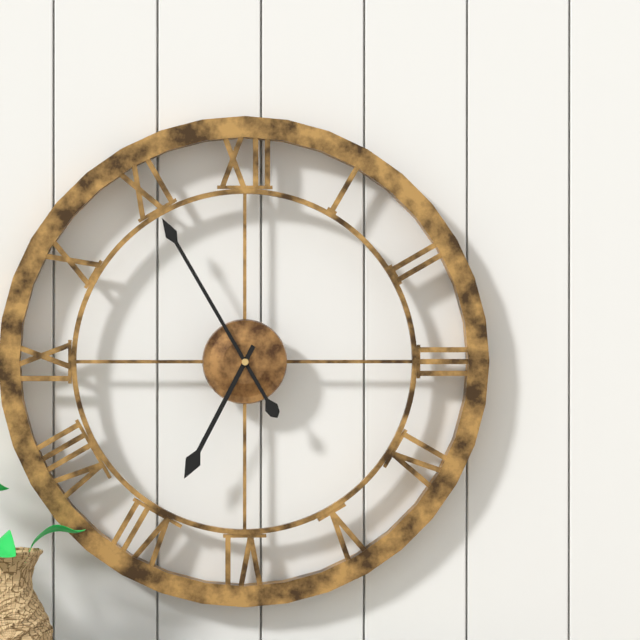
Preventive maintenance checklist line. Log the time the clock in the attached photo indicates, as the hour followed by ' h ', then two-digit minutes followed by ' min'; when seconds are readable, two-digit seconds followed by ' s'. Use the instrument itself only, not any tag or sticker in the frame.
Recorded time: 6 h 55 min
